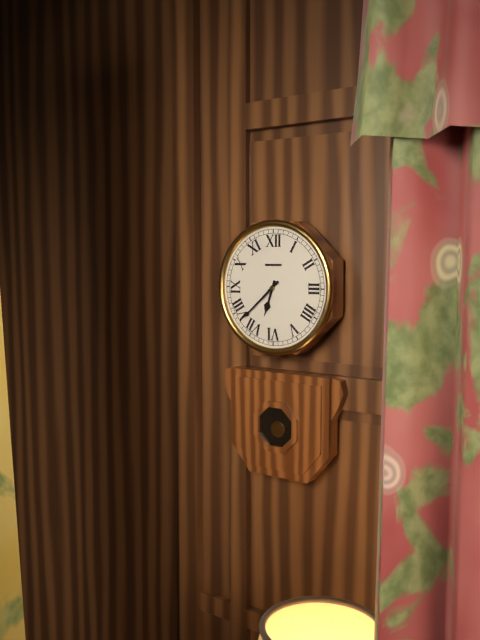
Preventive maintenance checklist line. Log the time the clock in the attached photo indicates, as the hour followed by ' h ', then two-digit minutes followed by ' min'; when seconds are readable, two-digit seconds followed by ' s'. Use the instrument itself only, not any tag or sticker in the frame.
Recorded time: 6 h 38 min
